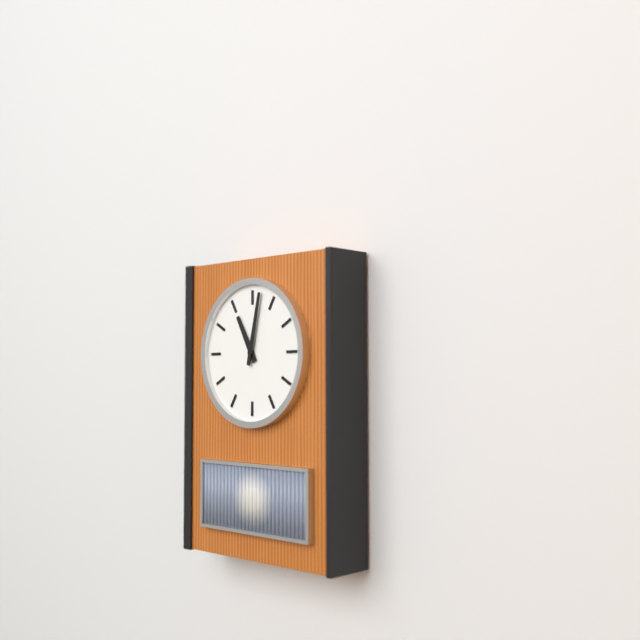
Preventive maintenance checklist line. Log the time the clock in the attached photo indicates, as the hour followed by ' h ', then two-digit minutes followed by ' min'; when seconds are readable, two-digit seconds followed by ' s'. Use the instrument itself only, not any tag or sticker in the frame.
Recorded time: 11 h 02 min
